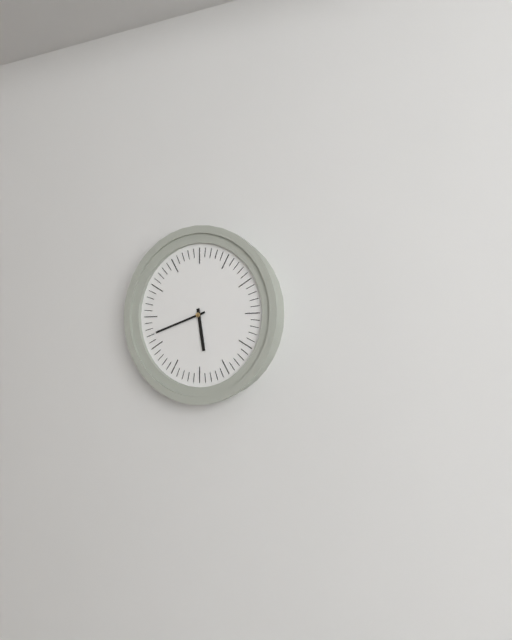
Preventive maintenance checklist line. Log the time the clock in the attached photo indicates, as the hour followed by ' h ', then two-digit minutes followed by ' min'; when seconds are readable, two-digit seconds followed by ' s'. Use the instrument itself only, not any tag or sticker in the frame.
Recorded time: 5 h 42 min
